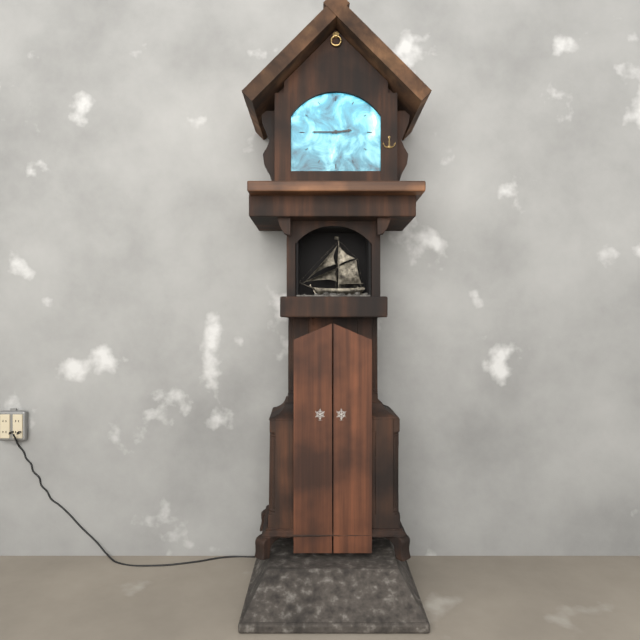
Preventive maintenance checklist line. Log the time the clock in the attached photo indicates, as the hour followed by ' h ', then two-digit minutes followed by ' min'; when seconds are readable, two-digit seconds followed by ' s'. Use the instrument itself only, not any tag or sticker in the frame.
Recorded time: 2 h 45 min
